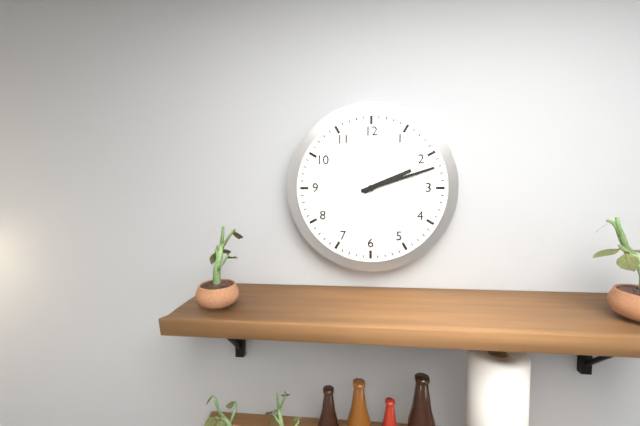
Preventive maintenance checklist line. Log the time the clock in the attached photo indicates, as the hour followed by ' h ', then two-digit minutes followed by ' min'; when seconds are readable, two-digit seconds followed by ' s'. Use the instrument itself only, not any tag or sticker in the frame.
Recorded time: 2 h 12 min
